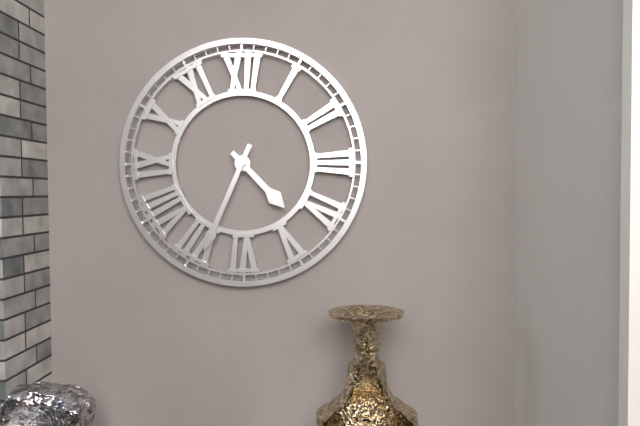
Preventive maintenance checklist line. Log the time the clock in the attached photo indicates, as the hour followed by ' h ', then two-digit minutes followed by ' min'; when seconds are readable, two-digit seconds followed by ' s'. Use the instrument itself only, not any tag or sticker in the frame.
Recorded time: 4 h 34 min
